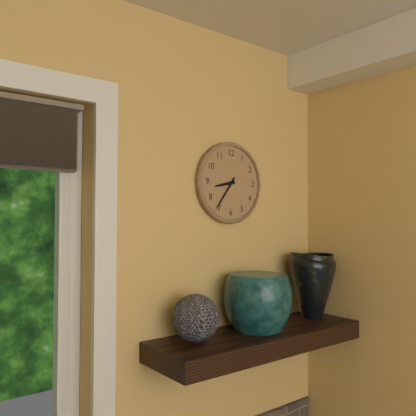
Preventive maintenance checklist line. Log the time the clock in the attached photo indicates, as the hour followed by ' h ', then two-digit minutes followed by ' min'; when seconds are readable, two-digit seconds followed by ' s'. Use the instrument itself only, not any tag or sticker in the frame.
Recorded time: 8 h 36 min
